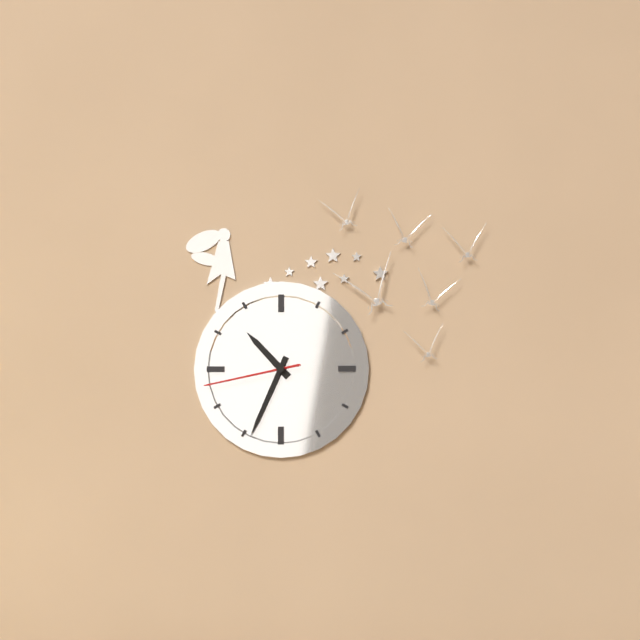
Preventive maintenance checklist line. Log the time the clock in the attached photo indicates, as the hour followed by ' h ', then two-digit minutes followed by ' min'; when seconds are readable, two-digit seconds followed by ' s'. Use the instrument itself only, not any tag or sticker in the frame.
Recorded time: 10 h 34 min 43 s
